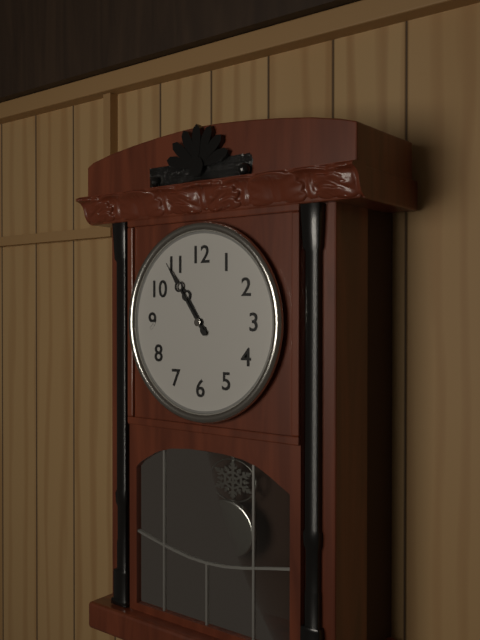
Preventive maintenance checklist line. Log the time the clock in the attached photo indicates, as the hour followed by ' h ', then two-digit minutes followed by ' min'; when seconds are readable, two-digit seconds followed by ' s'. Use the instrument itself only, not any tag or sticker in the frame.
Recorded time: 10 h 54 min
